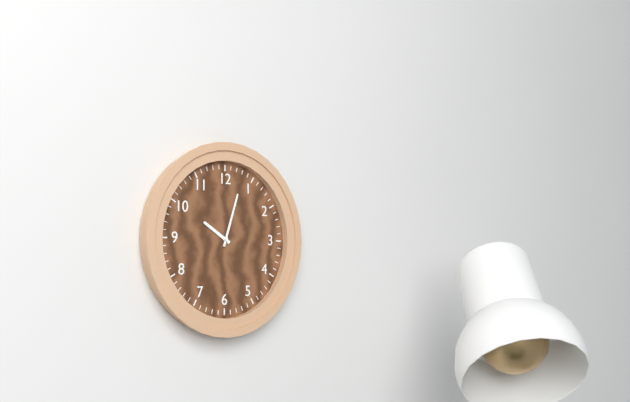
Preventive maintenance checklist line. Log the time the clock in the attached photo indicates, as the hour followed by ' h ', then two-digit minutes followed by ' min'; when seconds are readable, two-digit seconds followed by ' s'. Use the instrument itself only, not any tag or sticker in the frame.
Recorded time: 10 h 03 min
